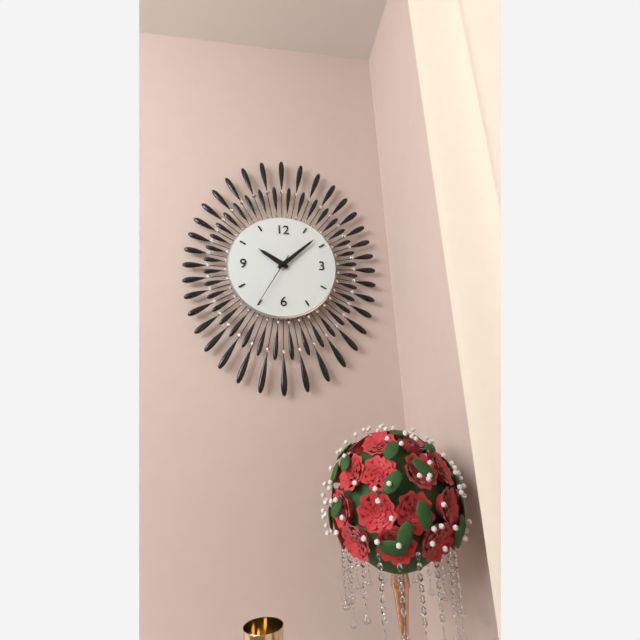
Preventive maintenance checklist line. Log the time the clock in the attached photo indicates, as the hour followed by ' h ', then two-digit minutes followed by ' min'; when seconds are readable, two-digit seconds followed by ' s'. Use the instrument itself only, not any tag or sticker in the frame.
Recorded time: 10 h 08 min 35 s
